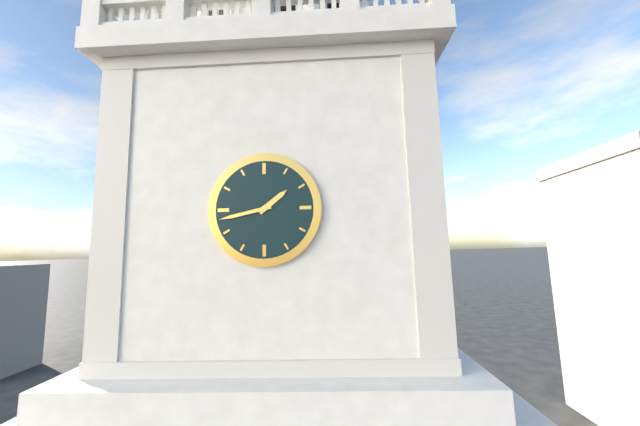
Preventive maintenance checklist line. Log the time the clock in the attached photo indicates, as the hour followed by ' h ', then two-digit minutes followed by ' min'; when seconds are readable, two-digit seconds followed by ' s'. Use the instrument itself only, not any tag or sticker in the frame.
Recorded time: 1 h 43 min
